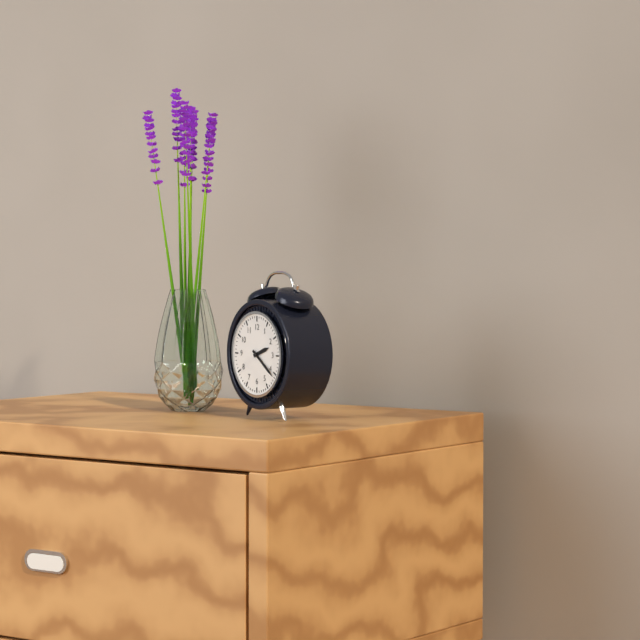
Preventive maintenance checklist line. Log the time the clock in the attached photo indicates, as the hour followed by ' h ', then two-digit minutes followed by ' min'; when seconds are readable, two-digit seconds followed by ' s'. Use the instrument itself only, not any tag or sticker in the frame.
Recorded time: 2 h 21 min
